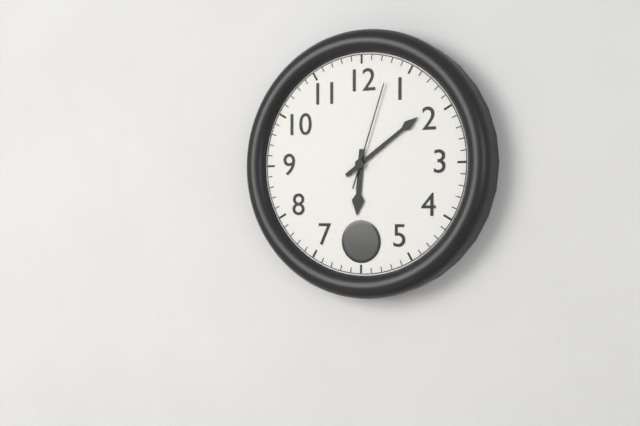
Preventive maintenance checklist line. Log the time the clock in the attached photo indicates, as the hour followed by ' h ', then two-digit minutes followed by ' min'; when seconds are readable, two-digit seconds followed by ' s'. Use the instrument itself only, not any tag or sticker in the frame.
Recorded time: 6 h 09 min 03 s
